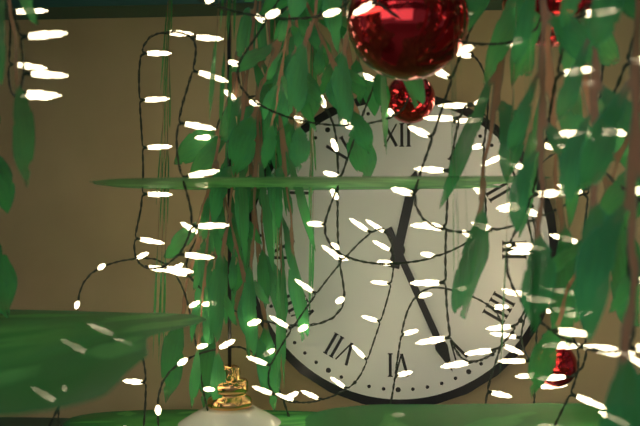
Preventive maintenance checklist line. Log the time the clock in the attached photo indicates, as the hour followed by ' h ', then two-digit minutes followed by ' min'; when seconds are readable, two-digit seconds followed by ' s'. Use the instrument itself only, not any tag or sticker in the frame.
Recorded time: 12 h 26 min
